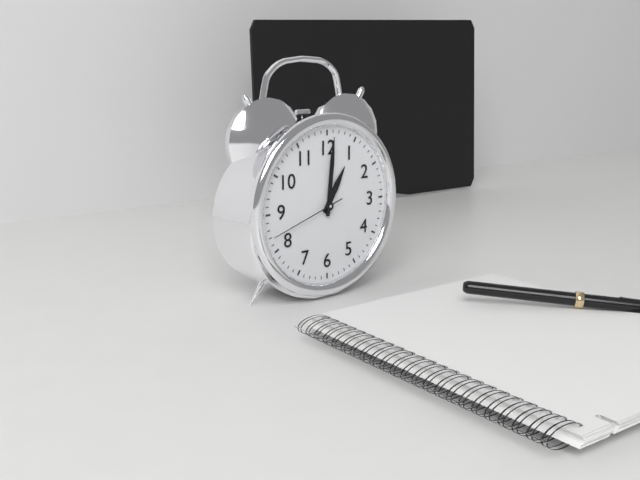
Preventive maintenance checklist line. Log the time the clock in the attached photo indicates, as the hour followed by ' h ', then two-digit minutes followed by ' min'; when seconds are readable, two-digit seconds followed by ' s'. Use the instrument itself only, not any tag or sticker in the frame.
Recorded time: 1 h 01 min 42 s
